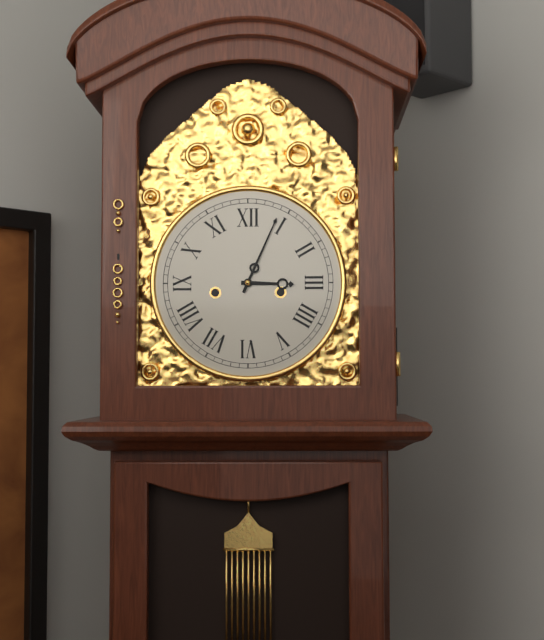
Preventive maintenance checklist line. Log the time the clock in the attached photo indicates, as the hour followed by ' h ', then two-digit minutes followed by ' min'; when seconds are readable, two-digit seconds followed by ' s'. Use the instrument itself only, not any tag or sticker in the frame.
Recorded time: 3 h 04 min
